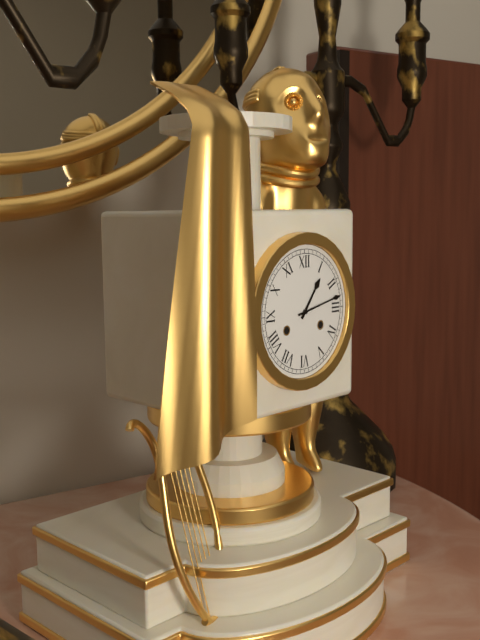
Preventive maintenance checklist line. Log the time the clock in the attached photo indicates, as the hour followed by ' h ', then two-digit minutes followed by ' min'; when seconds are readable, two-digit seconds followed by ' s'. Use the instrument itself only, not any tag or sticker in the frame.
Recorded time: 1 h 13 min
